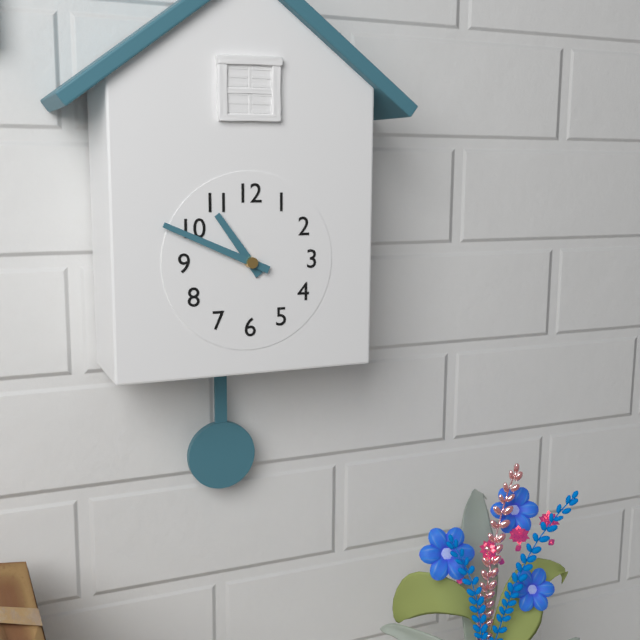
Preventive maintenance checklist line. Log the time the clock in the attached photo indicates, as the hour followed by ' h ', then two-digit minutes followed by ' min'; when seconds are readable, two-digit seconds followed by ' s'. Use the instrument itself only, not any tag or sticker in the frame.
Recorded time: 10 h 49 min
